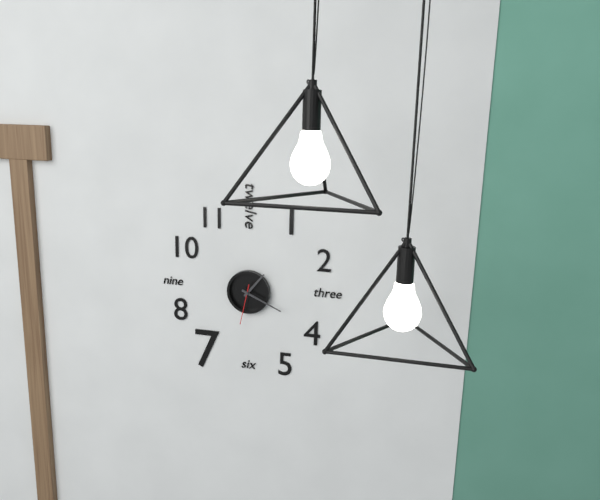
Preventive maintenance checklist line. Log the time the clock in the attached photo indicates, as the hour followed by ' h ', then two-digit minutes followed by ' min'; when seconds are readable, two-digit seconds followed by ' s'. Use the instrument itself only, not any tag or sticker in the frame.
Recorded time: 1 h 19 min
